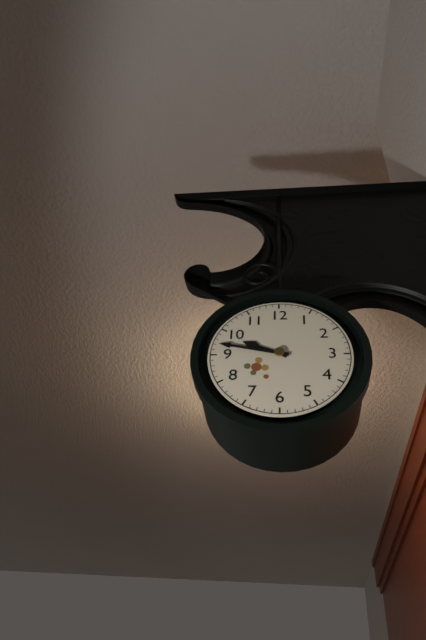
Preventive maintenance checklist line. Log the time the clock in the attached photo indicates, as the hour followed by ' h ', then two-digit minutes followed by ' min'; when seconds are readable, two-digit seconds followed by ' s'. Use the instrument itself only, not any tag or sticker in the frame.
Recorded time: 9 h 47 min
